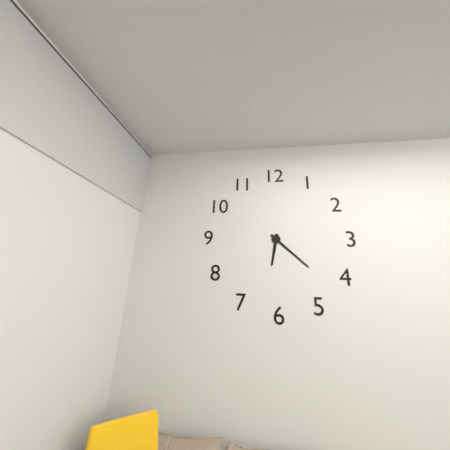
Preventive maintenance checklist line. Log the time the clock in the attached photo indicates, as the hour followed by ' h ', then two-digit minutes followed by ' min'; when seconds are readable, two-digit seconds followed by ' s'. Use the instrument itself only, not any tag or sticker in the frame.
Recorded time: 6 h 22 min
